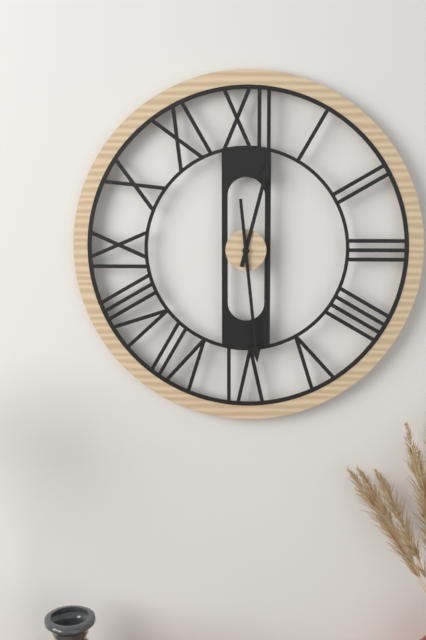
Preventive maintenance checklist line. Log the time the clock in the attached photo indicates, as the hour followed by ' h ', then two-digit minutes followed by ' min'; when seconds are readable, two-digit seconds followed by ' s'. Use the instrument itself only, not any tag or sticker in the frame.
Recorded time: 12 h 29 min
